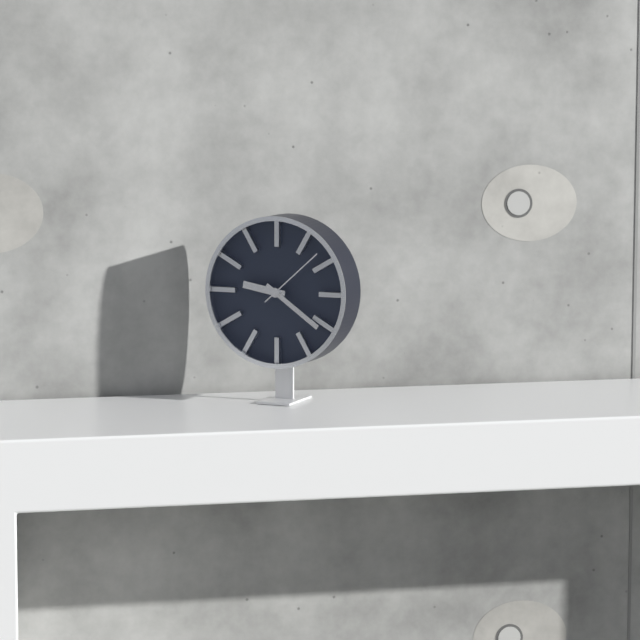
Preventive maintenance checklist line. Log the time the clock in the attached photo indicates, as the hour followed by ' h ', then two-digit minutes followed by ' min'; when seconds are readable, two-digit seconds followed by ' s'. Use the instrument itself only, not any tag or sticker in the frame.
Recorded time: 9 h 21 min 08 s
